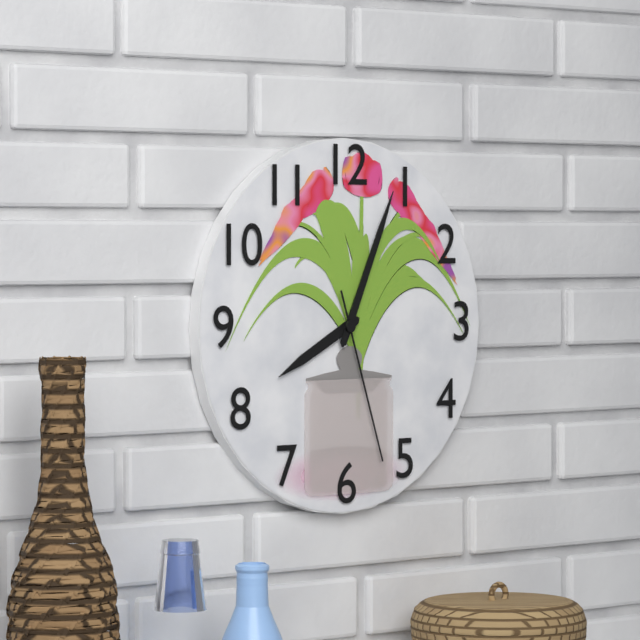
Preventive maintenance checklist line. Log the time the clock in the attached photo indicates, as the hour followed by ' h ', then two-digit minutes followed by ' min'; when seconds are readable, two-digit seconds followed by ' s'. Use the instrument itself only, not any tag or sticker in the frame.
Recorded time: 8 h 04 min 27 s
